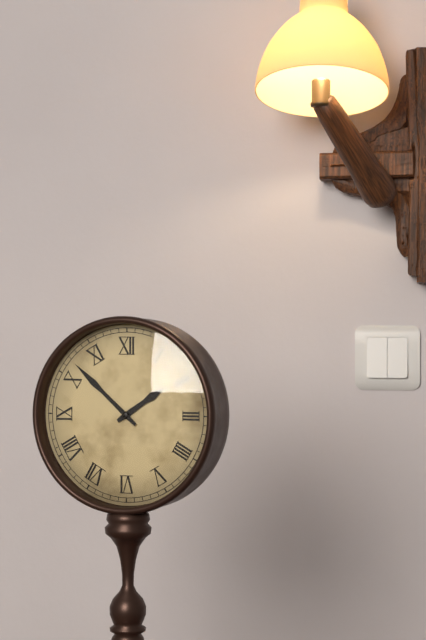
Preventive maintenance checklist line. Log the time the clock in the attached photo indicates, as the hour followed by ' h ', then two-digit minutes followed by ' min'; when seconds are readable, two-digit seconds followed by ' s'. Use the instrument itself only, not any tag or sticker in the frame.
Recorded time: 1 h 52 min
